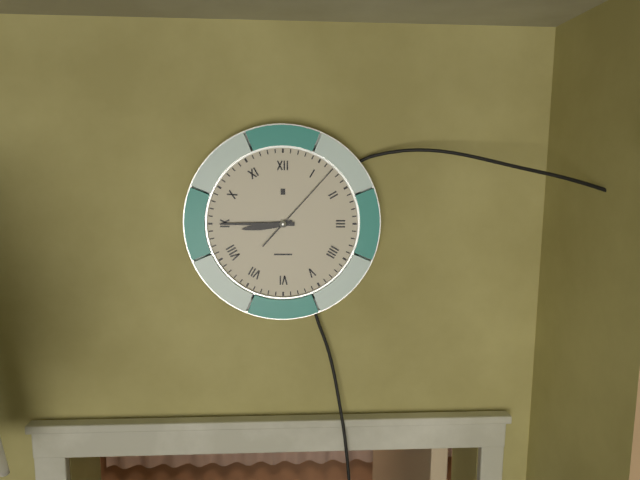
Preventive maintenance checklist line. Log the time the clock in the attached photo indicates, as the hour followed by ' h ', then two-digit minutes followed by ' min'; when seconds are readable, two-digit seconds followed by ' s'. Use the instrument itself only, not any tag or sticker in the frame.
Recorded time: 8 h 45 min 07 s
